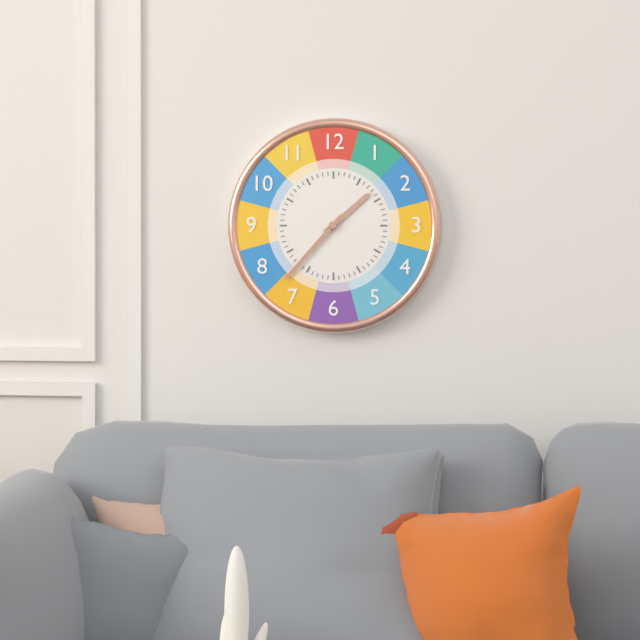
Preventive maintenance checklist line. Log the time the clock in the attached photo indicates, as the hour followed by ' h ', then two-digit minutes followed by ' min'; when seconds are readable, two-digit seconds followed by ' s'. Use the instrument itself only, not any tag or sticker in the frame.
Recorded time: 1 h 37 min
